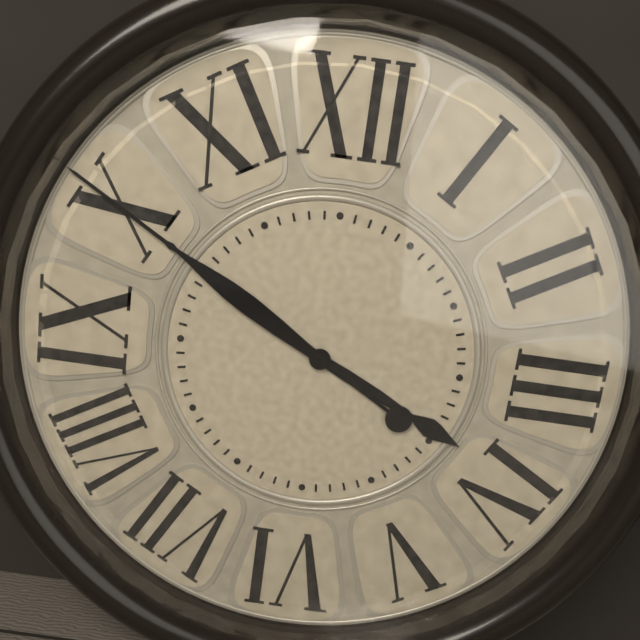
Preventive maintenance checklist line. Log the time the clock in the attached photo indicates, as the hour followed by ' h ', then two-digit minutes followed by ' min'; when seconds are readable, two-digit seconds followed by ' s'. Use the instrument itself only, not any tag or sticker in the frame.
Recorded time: 3 h 50 min
